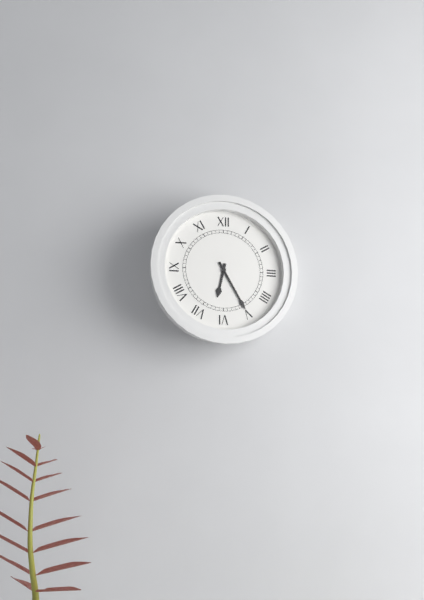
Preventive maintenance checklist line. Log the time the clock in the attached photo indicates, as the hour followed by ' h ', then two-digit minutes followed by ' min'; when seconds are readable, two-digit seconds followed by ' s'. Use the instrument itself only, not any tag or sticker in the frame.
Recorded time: 6 h 25 min
